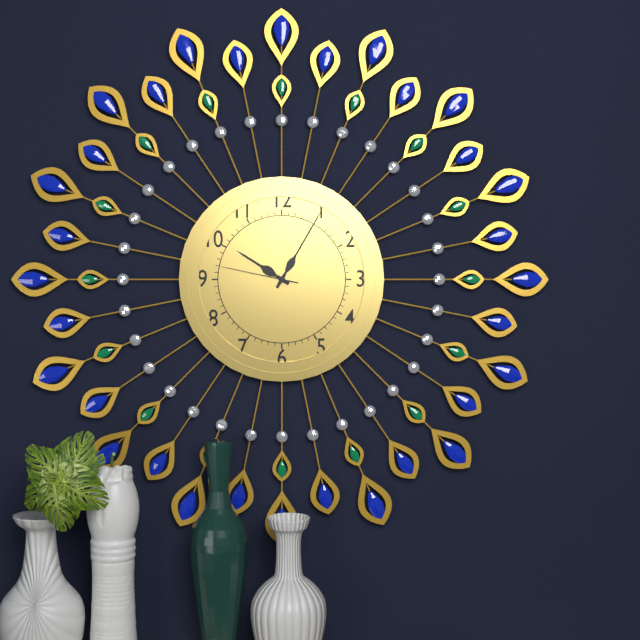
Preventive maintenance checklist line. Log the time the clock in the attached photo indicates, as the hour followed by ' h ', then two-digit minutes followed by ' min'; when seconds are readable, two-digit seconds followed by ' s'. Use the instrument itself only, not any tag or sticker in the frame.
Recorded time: 10 h 05 min 47 s
